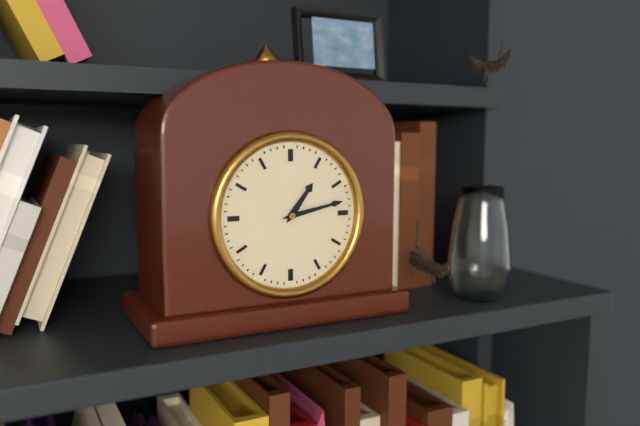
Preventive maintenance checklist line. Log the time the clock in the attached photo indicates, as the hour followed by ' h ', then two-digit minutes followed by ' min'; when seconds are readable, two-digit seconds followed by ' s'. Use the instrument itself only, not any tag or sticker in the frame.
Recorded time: 1 h 13 min
